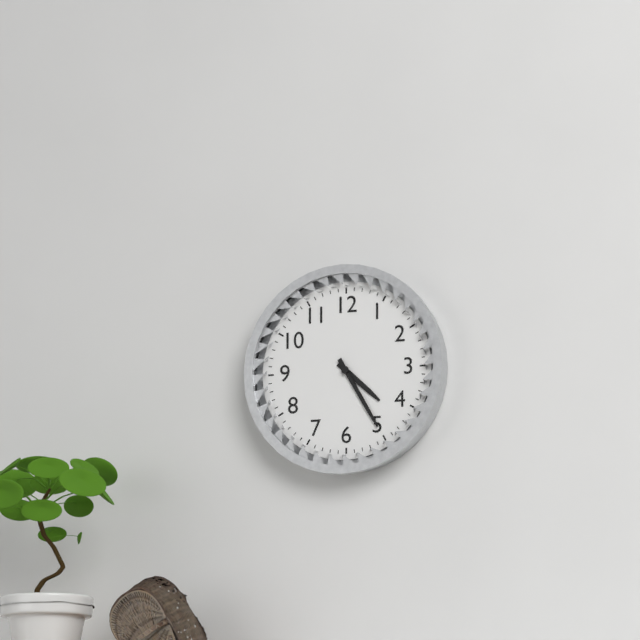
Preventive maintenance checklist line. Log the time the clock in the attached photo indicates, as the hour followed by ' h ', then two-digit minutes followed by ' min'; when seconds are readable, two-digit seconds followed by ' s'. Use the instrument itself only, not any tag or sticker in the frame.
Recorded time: 4 h 25 min
